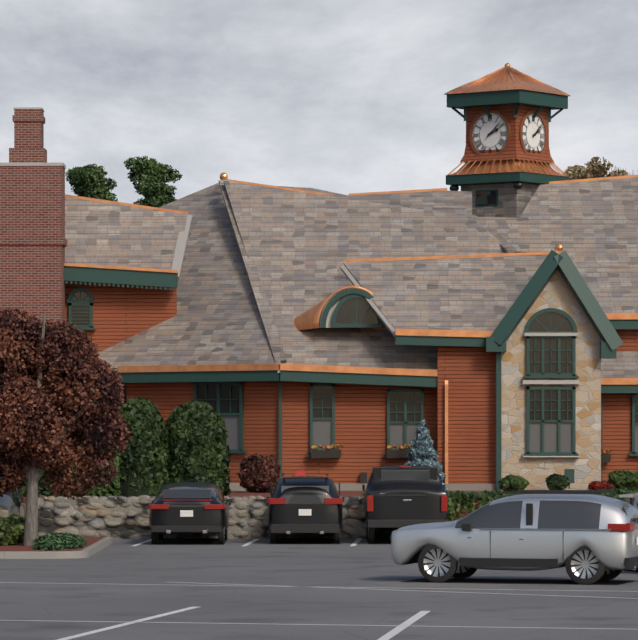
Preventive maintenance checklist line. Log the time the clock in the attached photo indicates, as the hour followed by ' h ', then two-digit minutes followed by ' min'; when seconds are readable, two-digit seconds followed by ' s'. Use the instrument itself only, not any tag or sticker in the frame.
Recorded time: 2 h 08 min
